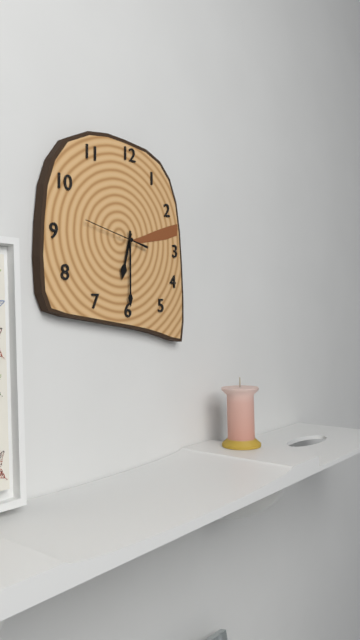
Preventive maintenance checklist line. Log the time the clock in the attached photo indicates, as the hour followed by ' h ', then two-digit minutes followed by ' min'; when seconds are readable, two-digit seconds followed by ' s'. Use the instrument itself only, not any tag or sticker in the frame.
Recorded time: 6 h 30 min
